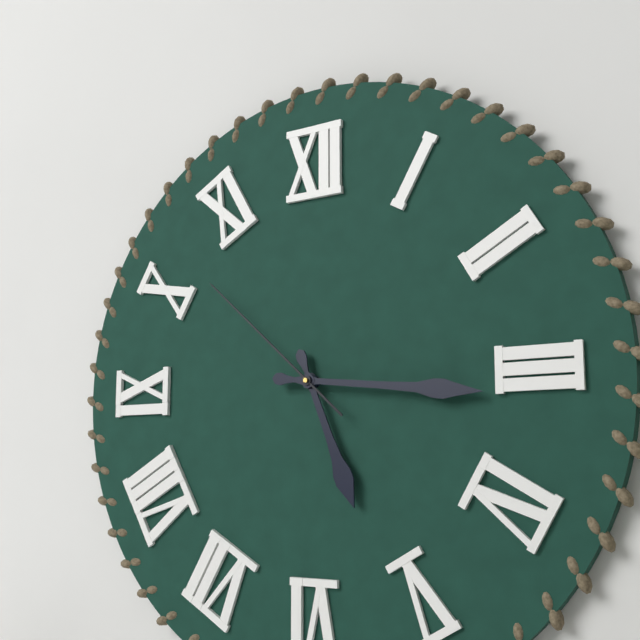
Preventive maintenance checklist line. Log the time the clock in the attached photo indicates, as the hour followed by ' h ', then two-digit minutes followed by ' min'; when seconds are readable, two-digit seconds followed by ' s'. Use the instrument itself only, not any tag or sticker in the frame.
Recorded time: 5 h 16 min 52 s
